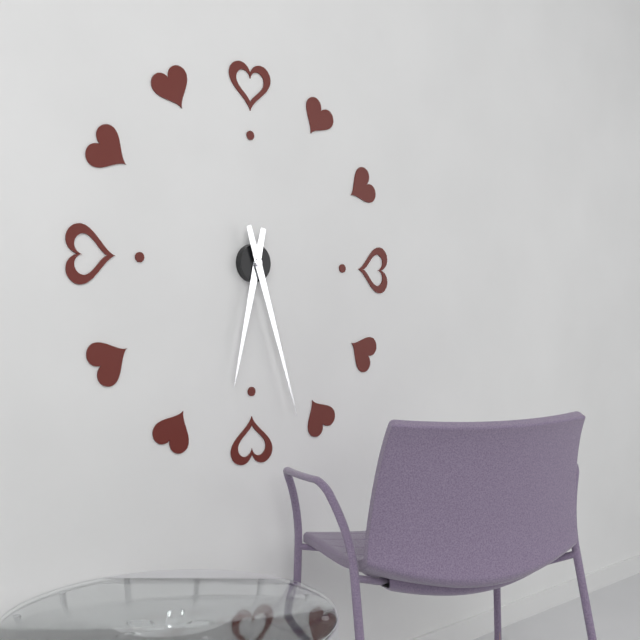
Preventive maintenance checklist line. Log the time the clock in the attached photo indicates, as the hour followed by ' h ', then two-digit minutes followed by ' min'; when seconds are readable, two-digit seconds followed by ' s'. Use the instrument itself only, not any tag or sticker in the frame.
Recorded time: 6 h 27 min
